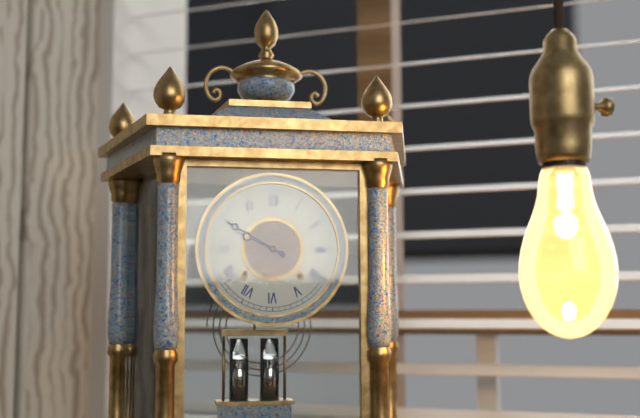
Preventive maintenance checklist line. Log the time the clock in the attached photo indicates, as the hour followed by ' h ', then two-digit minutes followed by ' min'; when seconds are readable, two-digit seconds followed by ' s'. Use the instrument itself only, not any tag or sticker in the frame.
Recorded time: 9 h 50 min
